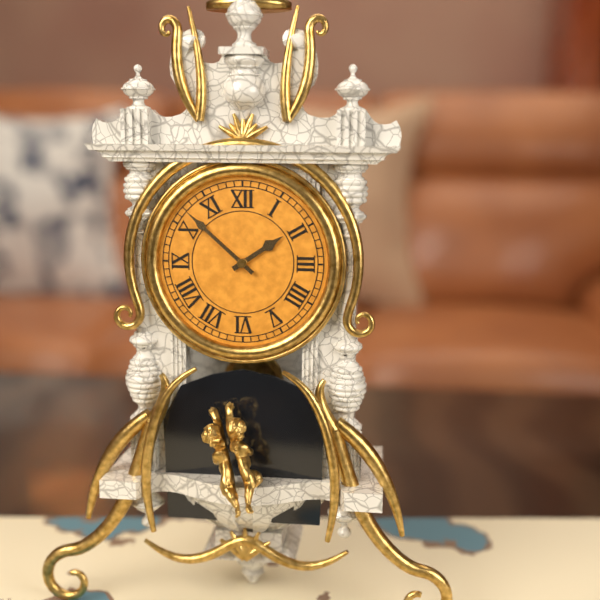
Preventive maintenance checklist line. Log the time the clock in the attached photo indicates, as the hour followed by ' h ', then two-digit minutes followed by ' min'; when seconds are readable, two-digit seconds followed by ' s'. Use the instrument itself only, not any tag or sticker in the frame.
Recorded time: 1 h 52 min
